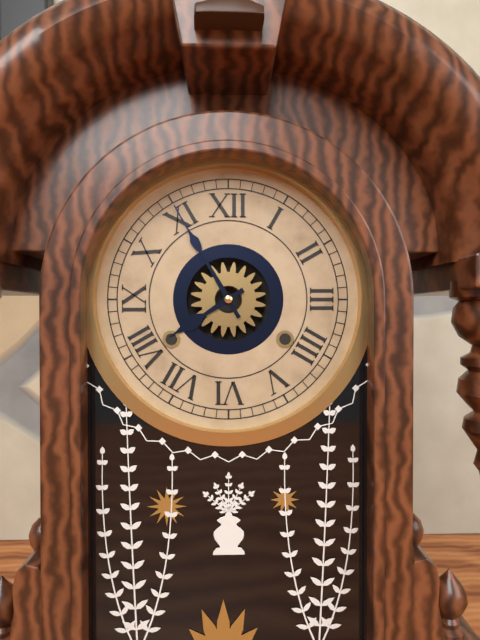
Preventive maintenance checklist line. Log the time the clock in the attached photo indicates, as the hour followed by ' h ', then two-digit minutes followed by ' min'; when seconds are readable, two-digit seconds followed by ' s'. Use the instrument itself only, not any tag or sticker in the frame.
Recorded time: 7 h 55 min
